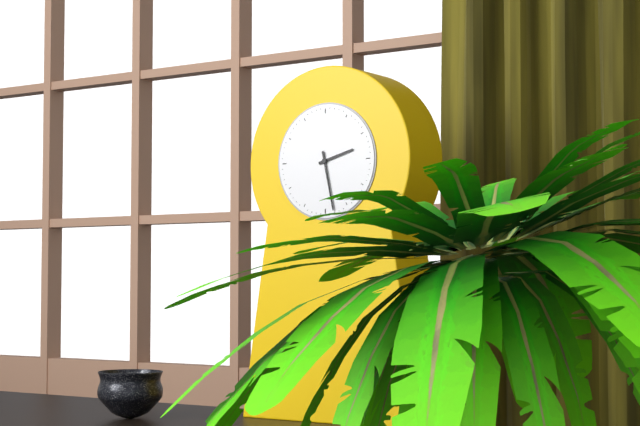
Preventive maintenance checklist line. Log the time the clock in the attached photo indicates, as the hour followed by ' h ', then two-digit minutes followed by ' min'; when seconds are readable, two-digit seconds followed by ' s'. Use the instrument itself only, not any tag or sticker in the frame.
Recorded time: 2 h 28 min
